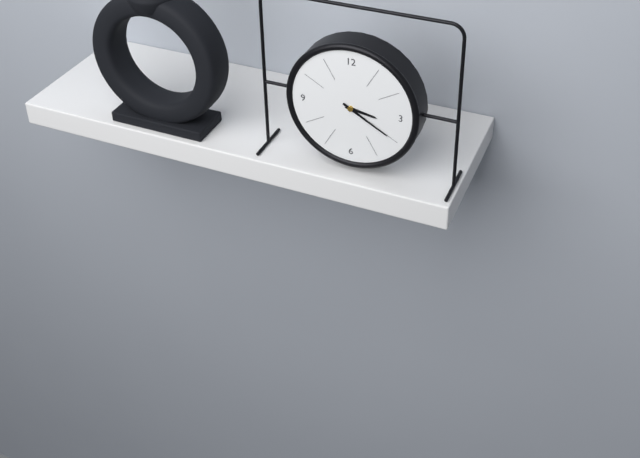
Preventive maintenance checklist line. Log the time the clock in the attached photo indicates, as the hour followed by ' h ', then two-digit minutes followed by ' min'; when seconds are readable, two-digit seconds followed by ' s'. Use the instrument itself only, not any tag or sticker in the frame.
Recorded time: 3 h 20 min
